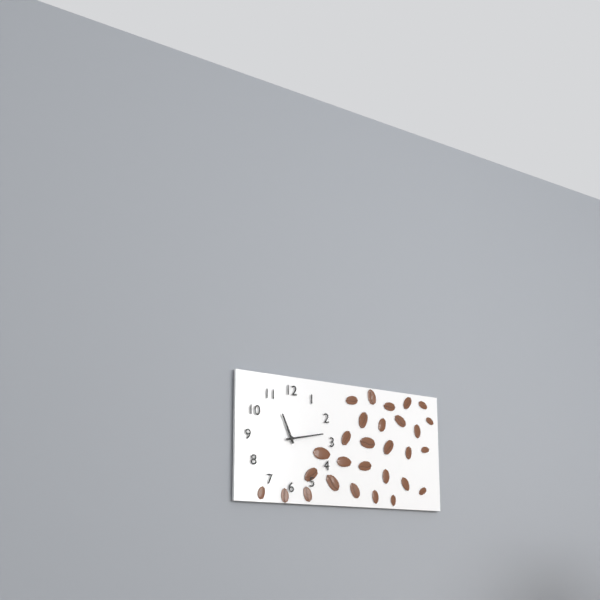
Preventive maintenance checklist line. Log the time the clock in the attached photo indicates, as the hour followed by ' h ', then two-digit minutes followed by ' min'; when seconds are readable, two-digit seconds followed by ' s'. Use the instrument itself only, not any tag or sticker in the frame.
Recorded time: 11 h 13 min
